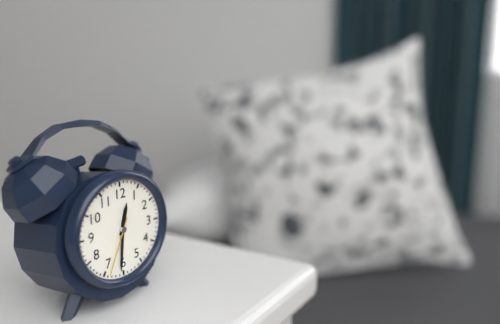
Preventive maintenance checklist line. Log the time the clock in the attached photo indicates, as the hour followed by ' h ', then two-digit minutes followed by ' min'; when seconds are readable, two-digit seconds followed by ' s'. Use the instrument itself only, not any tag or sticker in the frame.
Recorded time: 12 h 31 min 34 s
